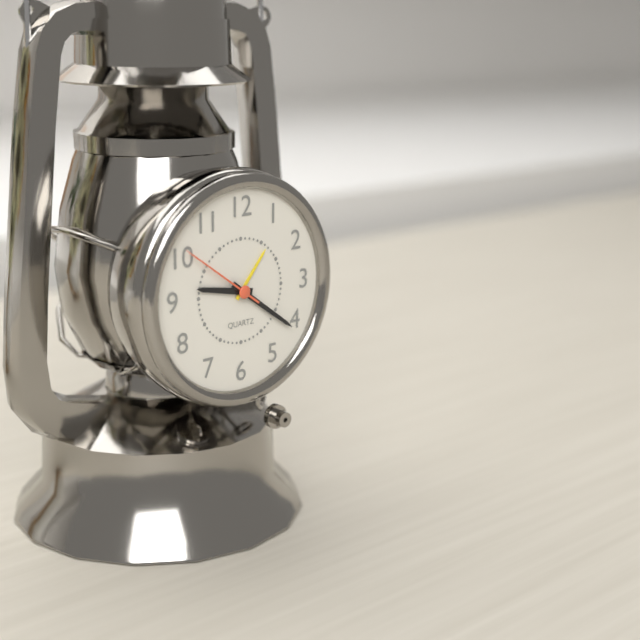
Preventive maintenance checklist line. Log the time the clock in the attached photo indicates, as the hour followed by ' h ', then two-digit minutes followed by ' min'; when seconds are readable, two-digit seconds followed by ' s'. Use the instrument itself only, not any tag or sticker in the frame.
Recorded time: 9 h 21 min 51 s
